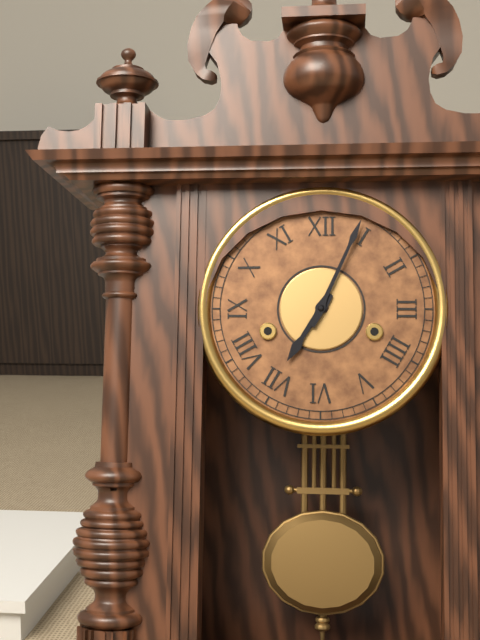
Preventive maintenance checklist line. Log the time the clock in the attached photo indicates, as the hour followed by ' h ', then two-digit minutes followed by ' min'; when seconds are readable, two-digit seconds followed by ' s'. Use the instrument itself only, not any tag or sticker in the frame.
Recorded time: 7 h 04 min
